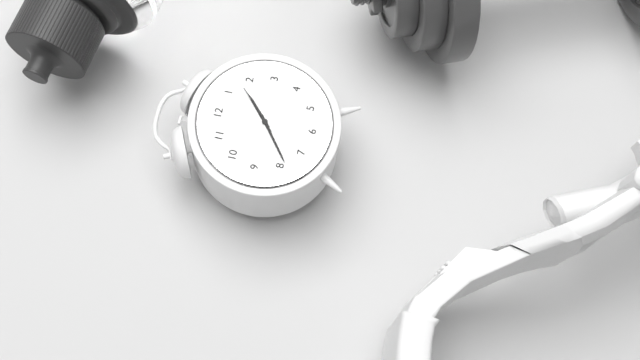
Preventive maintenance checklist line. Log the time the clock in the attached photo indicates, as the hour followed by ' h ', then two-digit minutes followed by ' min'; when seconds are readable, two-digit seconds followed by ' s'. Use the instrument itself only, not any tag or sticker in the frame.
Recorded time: 1 h 39 min 08 s
